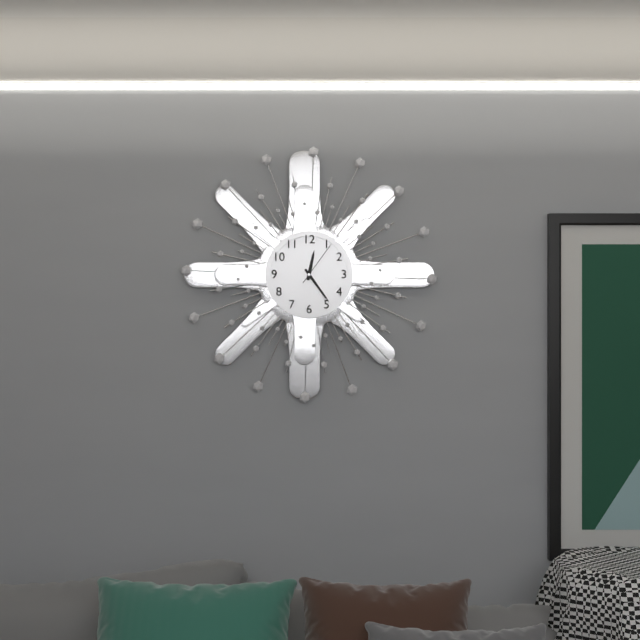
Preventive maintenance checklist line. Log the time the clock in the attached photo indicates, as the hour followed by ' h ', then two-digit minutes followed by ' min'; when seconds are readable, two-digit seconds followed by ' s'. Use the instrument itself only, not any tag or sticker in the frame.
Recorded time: 12 h 24 min
